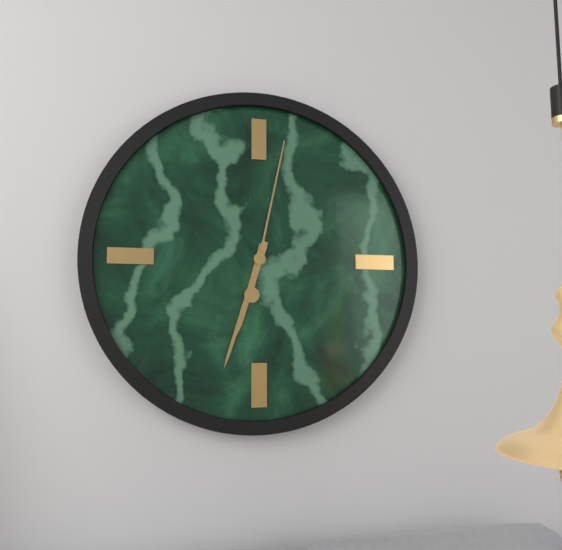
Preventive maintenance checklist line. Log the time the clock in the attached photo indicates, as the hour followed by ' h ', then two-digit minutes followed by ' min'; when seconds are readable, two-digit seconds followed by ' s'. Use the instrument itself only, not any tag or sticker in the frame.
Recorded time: 6 h 33 min 02 s
